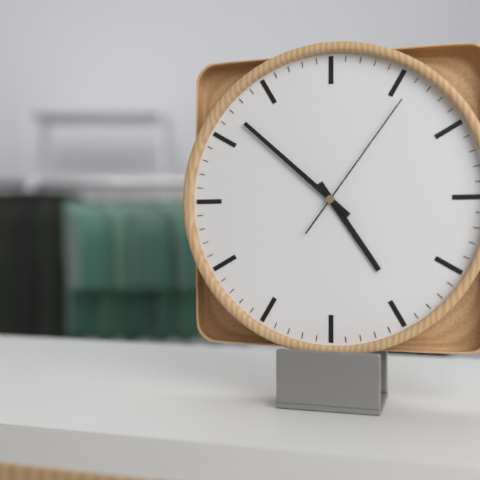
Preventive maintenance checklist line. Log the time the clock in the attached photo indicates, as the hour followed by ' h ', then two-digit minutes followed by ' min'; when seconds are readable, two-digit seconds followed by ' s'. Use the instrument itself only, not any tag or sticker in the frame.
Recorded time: 4 h 52 min 06 s
